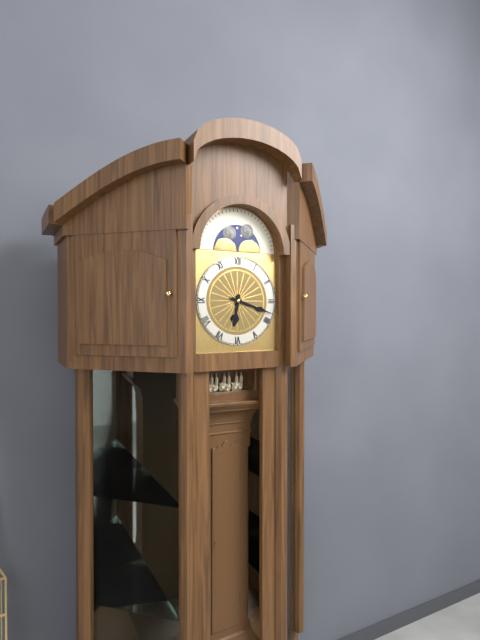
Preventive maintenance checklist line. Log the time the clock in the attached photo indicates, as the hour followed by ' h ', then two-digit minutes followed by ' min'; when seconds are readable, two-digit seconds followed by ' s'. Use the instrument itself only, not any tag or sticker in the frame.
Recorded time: 6 h 18 min
